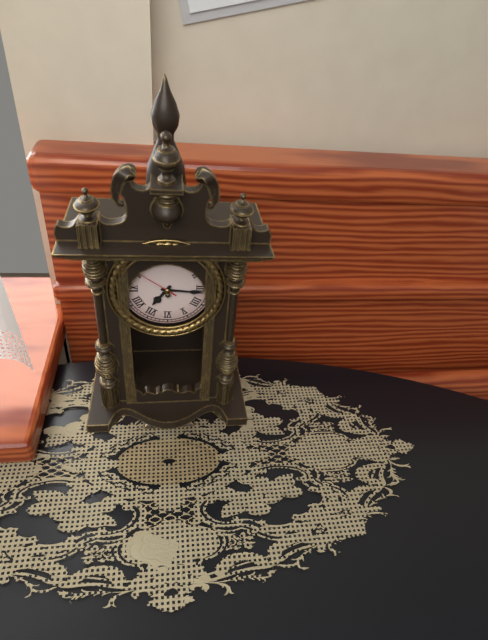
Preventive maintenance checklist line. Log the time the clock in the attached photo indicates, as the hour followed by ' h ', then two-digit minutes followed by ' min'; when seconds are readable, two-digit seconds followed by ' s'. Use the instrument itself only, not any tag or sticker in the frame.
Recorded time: 7 h 16 min
